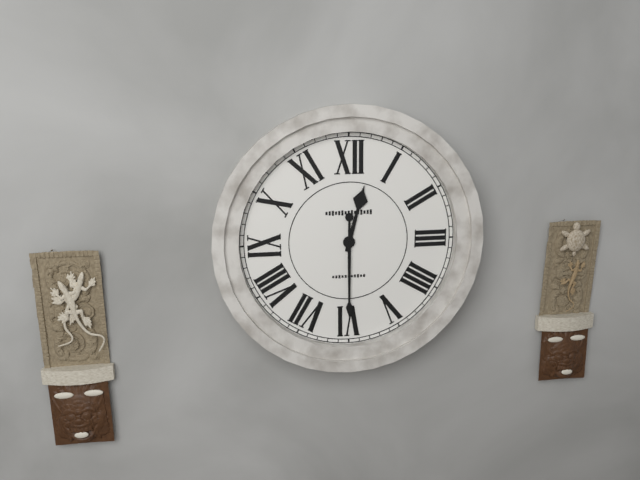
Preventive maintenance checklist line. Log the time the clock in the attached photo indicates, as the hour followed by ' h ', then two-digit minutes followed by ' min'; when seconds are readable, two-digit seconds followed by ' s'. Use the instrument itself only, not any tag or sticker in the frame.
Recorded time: 12 h 30 min
